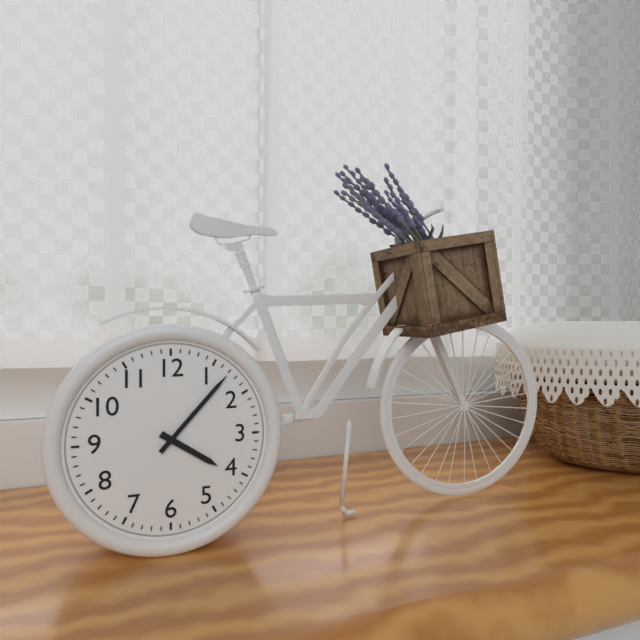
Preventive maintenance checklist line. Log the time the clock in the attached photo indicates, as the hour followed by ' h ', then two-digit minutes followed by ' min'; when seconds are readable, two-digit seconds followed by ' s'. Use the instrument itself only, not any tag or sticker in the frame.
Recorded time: 4 h 07 min
